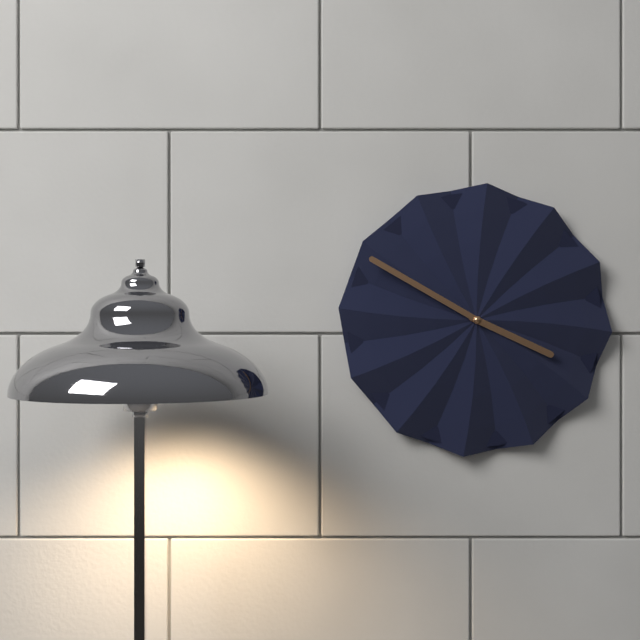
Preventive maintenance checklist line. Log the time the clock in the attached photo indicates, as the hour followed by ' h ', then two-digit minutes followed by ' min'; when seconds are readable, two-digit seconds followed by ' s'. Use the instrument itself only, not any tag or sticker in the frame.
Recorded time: 3 h 50 min
